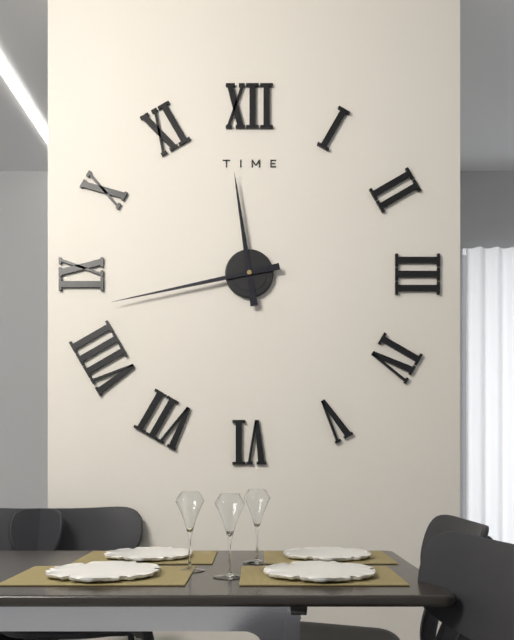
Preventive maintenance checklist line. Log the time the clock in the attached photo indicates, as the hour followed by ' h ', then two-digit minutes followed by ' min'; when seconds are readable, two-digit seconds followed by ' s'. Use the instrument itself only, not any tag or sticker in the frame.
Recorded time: 11 h 43 min
